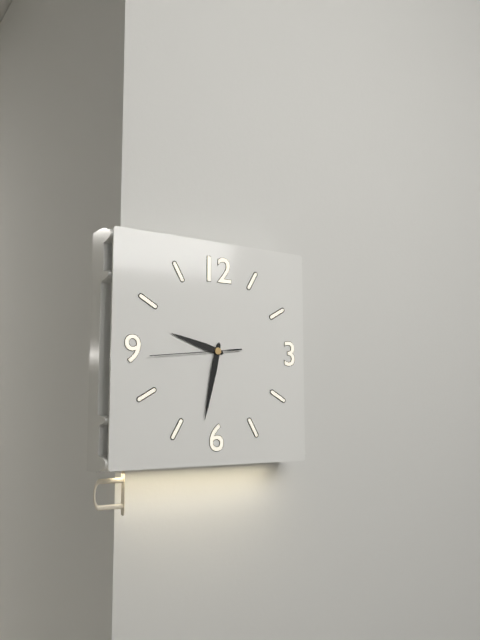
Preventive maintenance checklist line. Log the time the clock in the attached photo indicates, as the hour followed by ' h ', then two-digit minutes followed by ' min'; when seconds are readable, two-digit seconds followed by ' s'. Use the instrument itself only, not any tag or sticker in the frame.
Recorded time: 9 h 32 min 44 s
